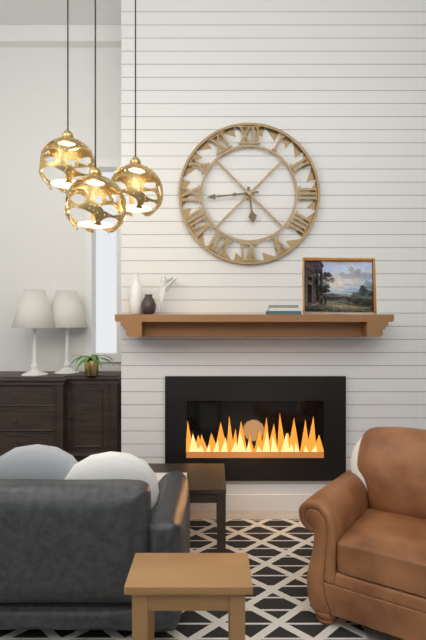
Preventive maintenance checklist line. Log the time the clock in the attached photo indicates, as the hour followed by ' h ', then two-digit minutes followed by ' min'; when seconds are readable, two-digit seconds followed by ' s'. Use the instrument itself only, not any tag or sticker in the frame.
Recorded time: 5 h 44 min
